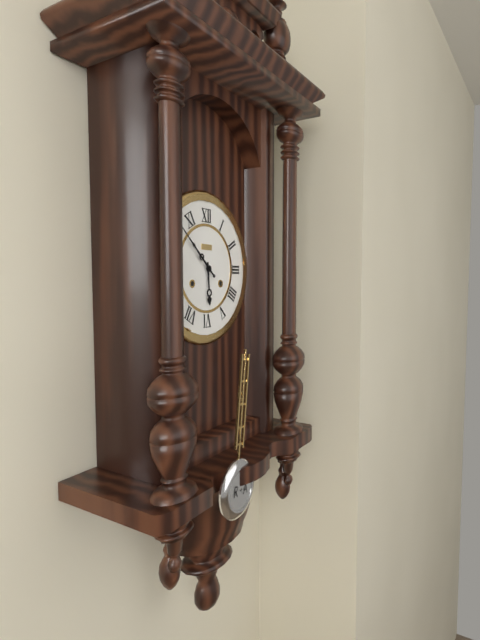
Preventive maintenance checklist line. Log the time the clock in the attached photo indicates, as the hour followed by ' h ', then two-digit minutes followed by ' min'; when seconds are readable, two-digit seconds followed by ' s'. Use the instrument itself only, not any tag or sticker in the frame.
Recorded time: 5 h 52 min
